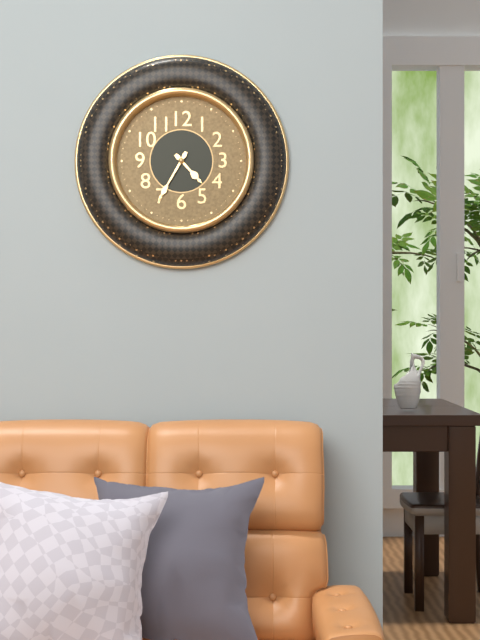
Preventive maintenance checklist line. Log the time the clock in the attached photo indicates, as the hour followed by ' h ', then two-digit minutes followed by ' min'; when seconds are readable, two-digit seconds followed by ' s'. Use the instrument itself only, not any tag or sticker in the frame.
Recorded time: 4 h 35 min
